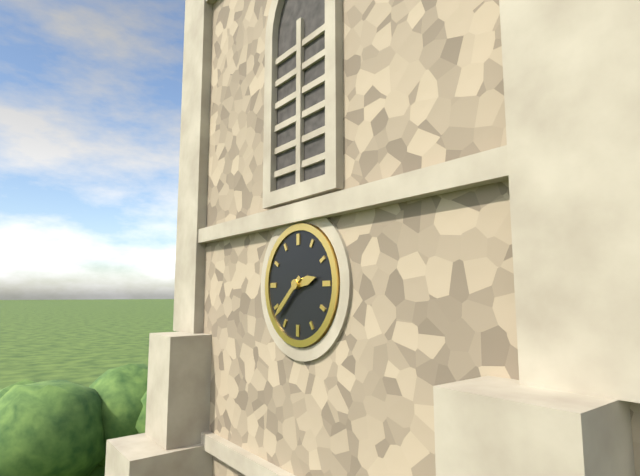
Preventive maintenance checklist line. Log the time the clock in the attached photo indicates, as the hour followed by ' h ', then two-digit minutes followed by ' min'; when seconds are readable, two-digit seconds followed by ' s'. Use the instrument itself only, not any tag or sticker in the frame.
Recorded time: 2 h 38 min
